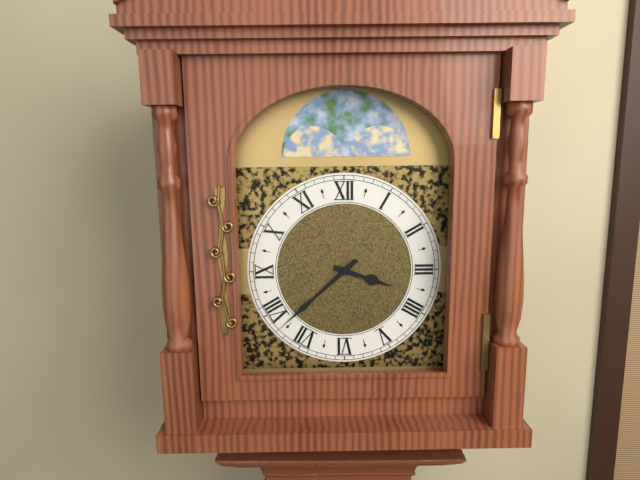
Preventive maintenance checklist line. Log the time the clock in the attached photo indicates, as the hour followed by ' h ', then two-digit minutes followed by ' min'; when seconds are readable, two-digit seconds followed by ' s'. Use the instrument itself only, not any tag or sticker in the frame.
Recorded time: 3 h 38 min
